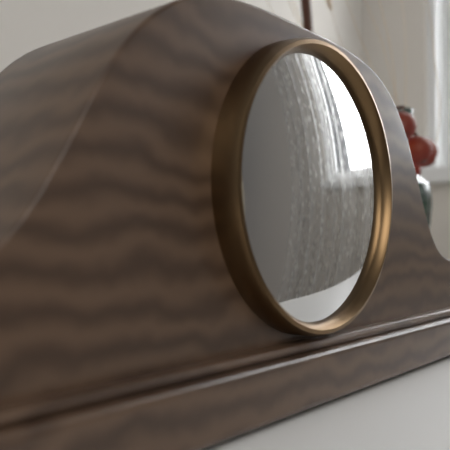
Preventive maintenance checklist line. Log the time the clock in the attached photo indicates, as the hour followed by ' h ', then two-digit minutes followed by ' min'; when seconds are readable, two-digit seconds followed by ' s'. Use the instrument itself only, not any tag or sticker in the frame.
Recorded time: 8 h 48 min
